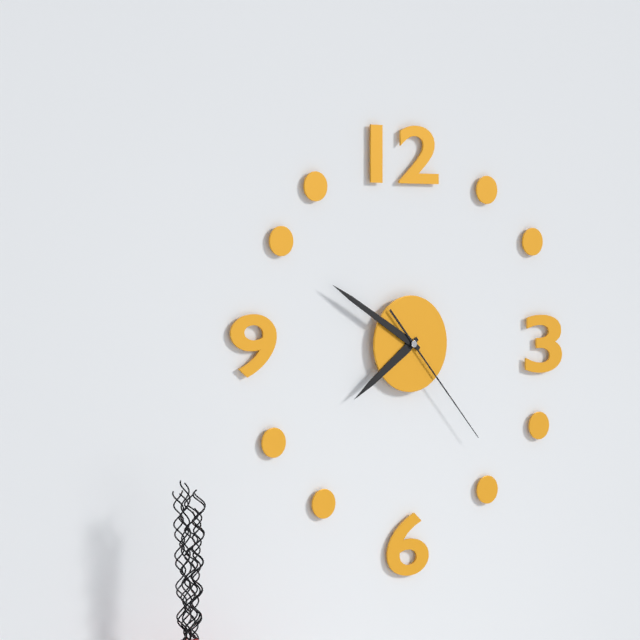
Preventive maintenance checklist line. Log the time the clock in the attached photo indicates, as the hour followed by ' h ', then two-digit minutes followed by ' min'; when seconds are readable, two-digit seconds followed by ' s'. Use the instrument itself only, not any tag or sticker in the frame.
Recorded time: 7 h 50 min 23 s
